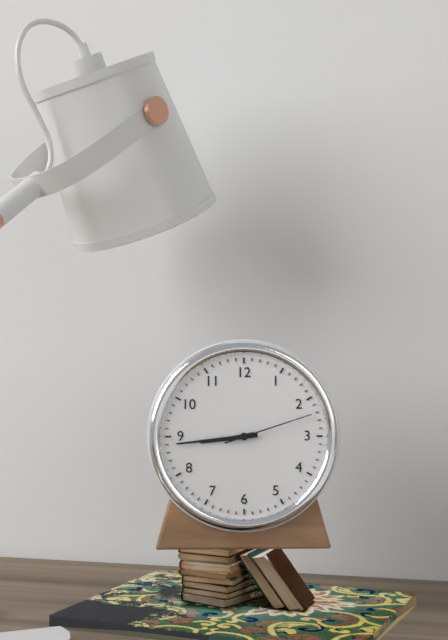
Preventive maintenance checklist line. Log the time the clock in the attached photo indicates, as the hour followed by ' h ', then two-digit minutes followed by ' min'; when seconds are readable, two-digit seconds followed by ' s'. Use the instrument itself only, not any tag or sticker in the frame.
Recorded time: 8 h 44 min 12 s
